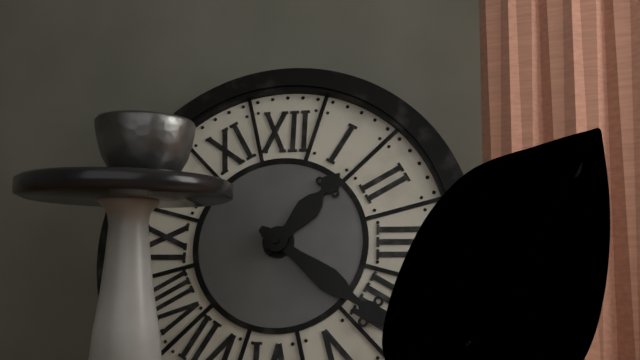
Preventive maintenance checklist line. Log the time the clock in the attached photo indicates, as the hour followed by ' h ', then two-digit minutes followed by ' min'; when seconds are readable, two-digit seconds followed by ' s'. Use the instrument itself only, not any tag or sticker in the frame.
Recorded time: 1 h 21 min
